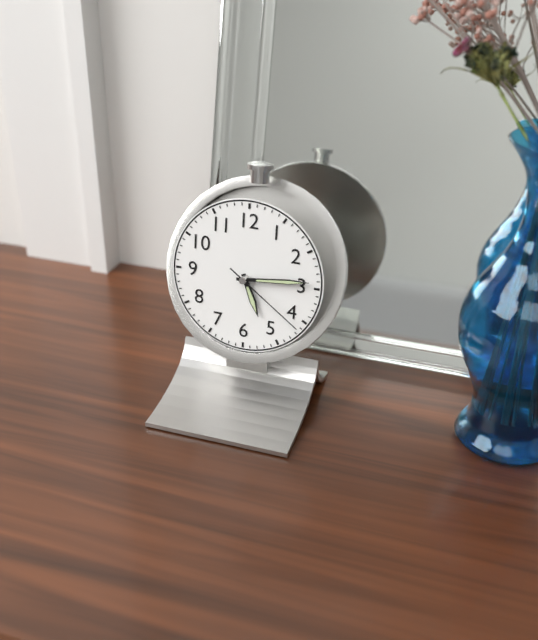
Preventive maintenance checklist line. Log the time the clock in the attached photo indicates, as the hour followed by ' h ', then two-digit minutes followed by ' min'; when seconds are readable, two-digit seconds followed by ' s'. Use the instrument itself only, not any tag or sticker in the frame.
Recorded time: 5 h 14 min 21 s
